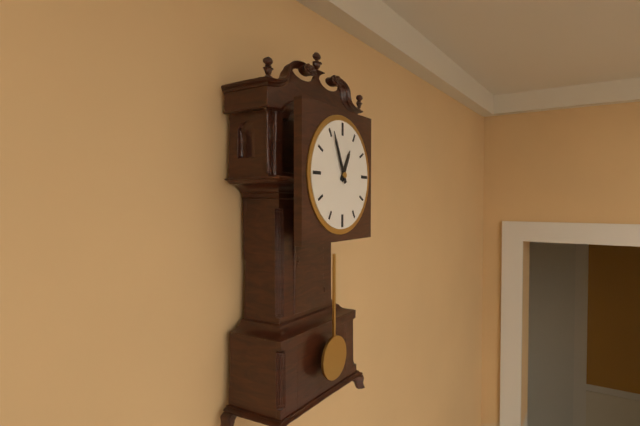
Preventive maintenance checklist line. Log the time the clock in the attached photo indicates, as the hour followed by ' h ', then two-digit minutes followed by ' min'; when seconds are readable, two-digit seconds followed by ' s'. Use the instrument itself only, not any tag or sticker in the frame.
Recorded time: 12 h 56 min
